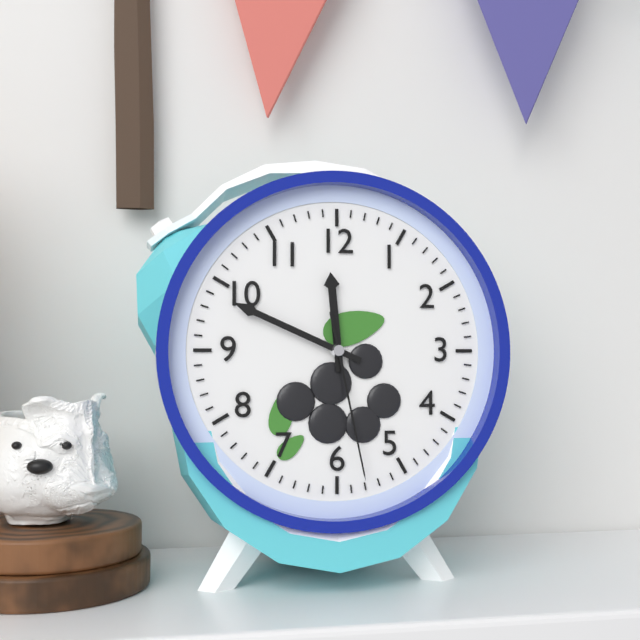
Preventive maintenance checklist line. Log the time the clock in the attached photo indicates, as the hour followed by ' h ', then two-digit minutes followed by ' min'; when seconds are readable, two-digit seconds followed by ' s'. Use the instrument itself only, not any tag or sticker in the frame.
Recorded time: 11 h 49 min 28 s
